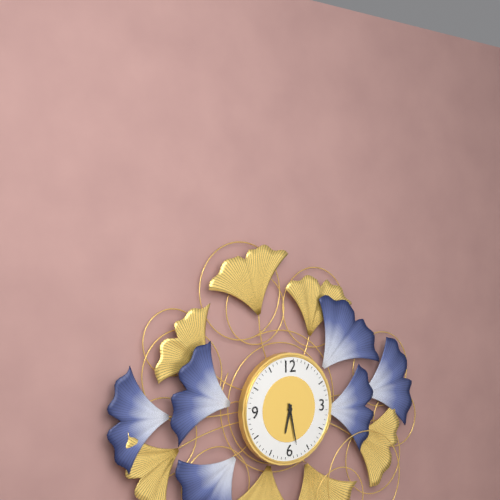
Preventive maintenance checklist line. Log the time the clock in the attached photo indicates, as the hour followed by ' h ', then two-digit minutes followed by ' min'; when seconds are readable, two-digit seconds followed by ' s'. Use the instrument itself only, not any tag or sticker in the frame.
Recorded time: 6 h 28 min
